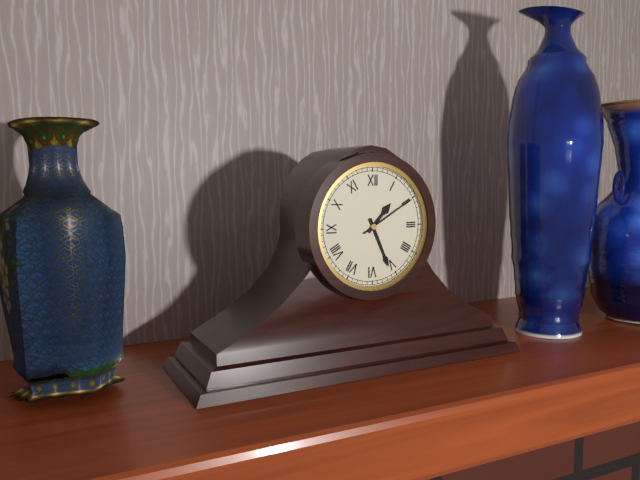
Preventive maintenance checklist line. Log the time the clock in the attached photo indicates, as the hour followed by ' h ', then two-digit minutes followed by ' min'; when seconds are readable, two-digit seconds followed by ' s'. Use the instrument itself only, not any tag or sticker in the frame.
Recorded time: 1 h 26 min 10 s
